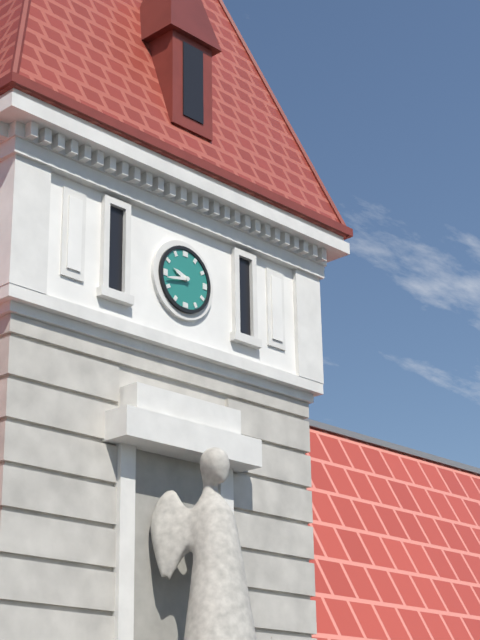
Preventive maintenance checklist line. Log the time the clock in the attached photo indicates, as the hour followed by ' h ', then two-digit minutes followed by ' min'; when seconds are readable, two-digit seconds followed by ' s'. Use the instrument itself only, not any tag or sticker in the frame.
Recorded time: 9 h 43 min
